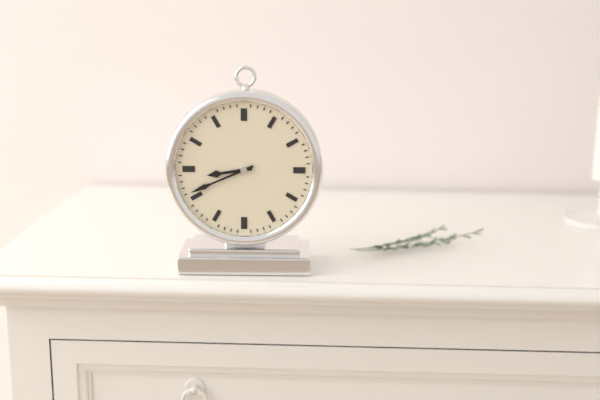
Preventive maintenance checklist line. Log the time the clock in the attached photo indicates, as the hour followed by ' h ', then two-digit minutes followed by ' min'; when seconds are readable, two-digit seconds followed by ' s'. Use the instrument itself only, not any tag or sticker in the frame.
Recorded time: 8 h 41 min
